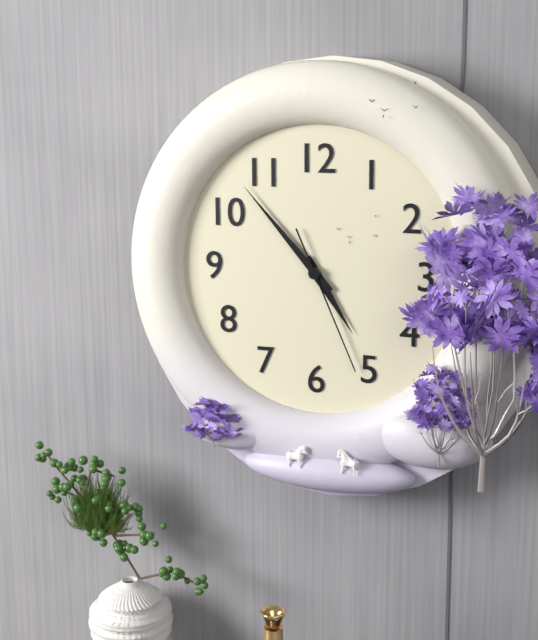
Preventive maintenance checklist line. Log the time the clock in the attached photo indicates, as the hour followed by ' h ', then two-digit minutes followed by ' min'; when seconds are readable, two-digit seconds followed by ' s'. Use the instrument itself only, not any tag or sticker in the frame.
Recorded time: 4 h 53 min 26 s
